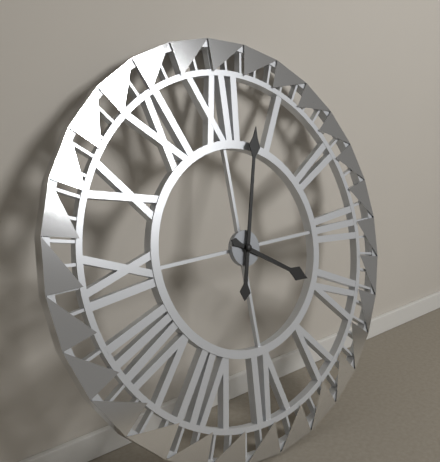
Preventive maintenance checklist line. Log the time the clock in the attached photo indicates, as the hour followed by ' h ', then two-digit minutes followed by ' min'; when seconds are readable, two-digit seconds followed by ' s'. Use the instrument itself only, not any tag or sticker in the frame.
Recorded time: 4 h 03 min
